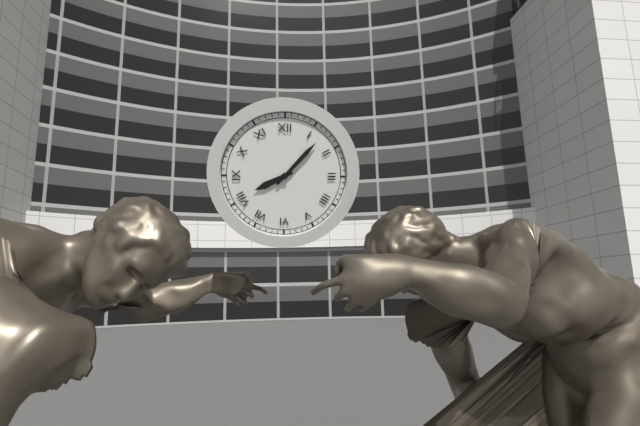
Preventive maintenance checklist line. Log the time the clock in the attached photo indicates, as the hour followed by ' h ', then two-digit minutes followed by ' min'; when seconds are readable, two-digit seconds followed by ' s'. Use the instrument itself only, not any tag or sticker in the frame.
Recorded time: 8 h 07 min
